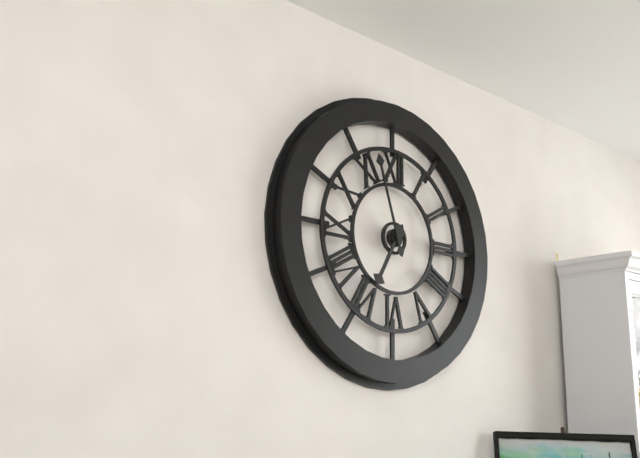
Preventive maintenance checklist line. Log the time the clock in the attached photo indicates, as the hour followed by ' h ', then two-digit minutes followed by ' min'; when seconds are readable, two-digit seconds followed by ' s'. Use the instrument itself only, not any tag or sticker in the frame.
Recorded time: 6 h 57 min
